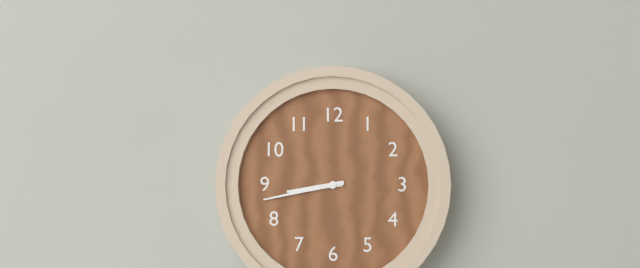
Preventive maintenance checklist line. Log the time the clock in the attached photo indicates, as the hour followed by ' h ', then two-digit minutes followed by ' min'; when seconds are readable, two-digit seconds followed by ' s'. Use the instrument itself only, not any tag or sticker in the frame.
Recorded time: 8 h 43 min
